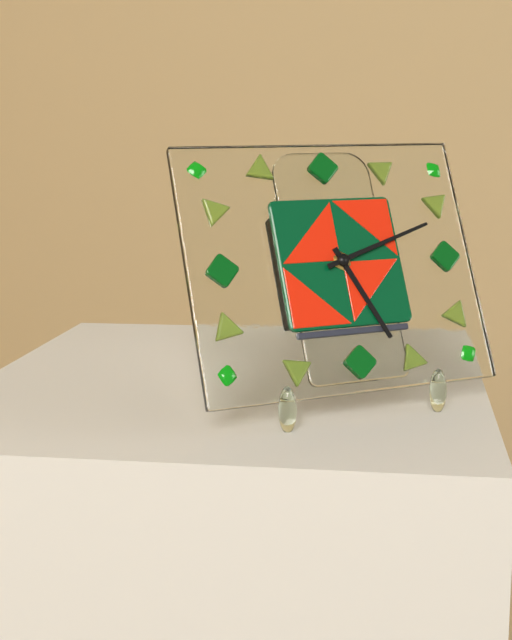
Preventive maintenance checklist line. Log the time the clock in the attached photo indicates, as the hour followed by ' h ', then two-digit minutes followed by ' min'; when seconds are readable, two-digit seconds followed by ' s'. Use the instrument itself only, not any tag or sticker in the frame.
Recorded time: 5 h 12 min
